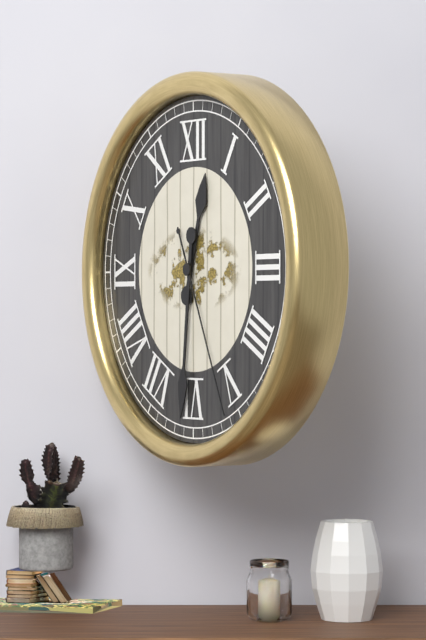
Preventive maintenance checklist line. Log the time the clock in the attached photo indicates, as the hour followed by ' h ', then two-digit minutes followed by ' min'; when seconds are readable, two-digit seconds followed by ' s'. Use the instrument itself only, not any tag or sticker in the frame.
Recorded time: 12 h 31 min 26 s
